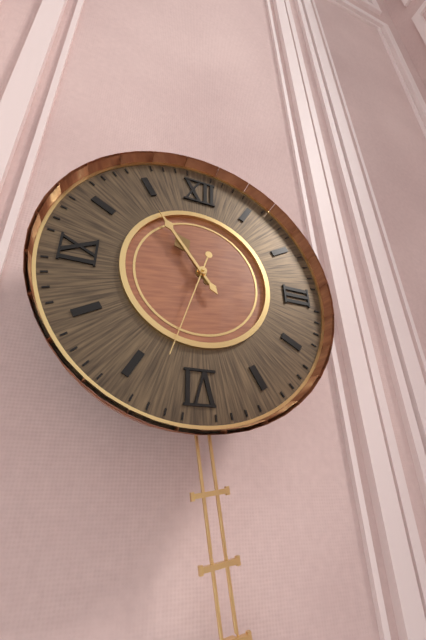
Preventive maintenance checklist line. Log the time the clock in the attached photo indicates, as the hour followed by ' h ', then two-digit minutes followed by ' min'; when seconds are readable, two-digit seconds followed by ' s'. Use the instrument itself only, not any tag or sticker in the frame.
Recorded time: 10 h 54 min 33 s
